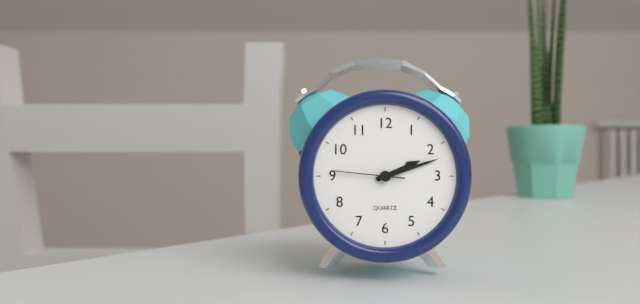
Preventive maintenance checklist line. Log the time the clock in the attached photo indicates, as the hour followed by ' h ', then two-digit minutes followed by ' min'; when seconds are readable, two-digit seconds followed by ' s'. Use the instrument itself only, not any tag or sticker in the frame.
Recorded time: 2 h 12 min 46 s
